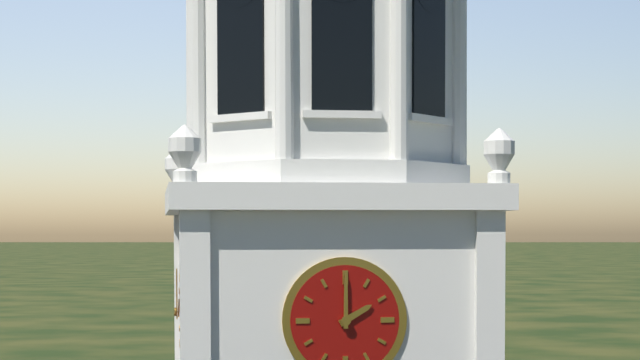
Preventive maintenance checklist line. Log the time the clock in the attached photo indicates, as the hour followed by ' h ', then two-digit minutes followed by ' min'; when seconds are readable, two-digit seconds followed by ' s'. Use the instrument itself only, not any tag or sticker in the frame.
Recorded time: 2 h 00 min
